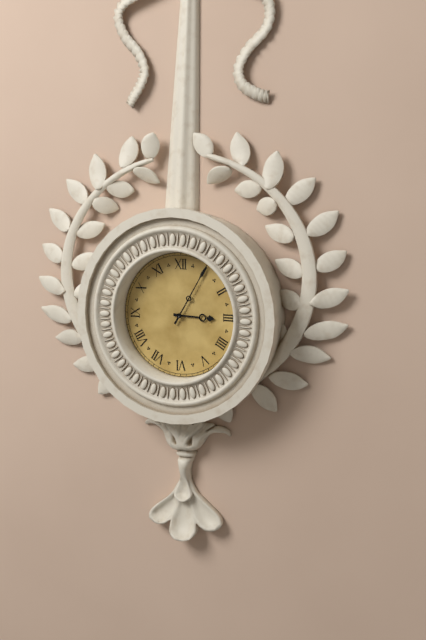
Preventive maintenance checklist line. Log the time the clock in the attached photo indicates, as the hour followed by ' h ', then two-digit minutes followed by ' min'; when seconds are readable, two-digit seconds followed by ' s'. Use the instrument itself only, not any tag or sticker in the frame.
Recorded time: 3 h 05 min
